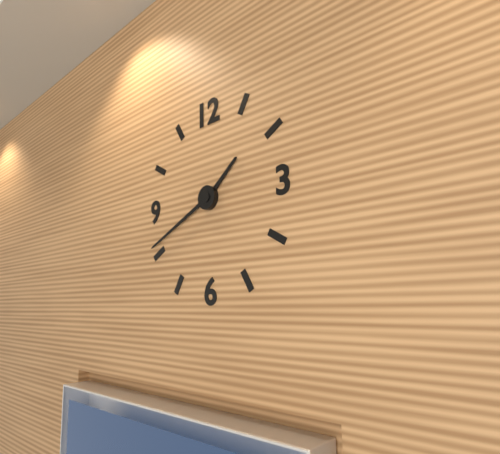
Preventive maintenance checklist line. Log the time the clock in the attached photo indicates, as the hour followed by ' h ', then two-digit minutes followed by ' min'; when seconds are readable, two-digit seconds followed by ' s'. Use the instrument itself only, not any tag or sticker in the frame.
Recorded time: 1 h 41 min
